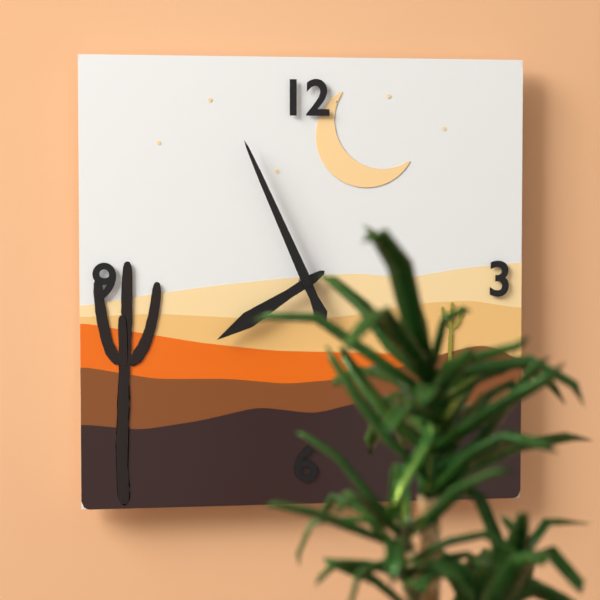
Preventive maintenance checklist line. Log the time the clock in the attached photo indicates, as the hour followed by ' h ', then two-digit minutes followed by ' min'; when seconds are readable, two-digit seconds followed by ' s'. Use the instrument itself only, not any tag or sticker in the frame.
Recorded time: 7 h 56 min
